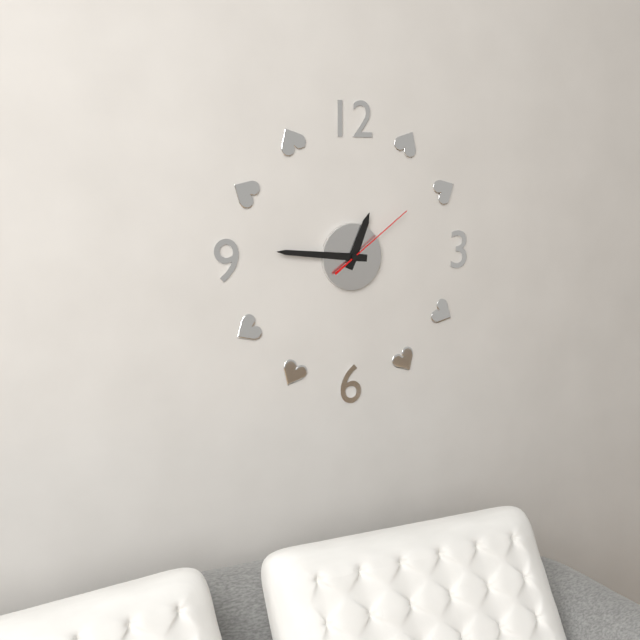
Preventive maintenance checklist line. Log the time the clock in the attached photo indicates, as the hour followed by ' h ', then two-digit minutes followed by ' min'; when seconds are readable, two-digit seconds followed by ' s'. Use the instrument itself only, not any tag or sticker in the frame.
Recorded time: 12 h 46 min 09 s
